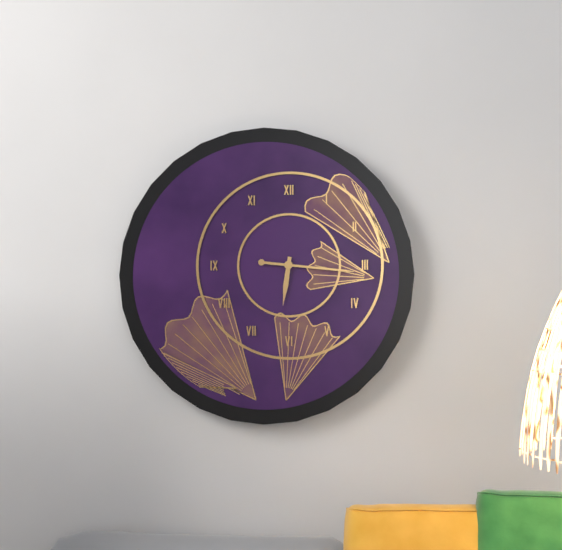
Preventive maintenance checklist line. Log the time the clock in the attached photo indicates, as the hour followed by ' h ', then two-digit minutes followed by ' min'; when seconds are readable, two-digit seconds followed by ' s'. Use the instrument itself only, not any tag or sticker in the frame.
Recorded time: 6 h 16 min
